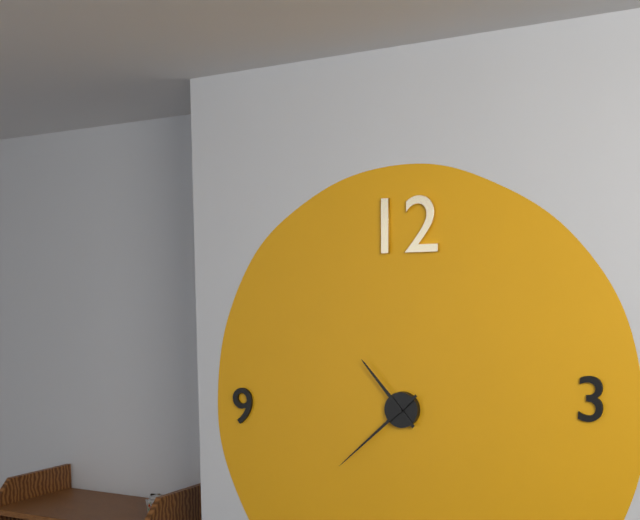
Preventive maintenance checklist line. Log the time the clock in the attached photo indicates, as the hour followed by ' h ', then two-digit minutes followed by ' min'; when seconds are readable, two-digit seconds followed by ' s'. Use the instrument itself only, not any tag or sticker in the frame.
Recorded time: 10 h 38 min
